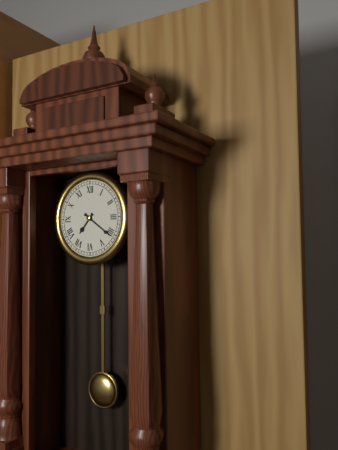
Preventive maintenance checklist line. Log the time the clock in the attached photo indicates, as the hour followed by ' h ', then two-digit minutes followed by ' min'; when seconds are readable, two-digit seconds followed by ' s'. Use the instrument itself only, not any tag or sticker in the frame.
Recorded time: 7 h 21 min
